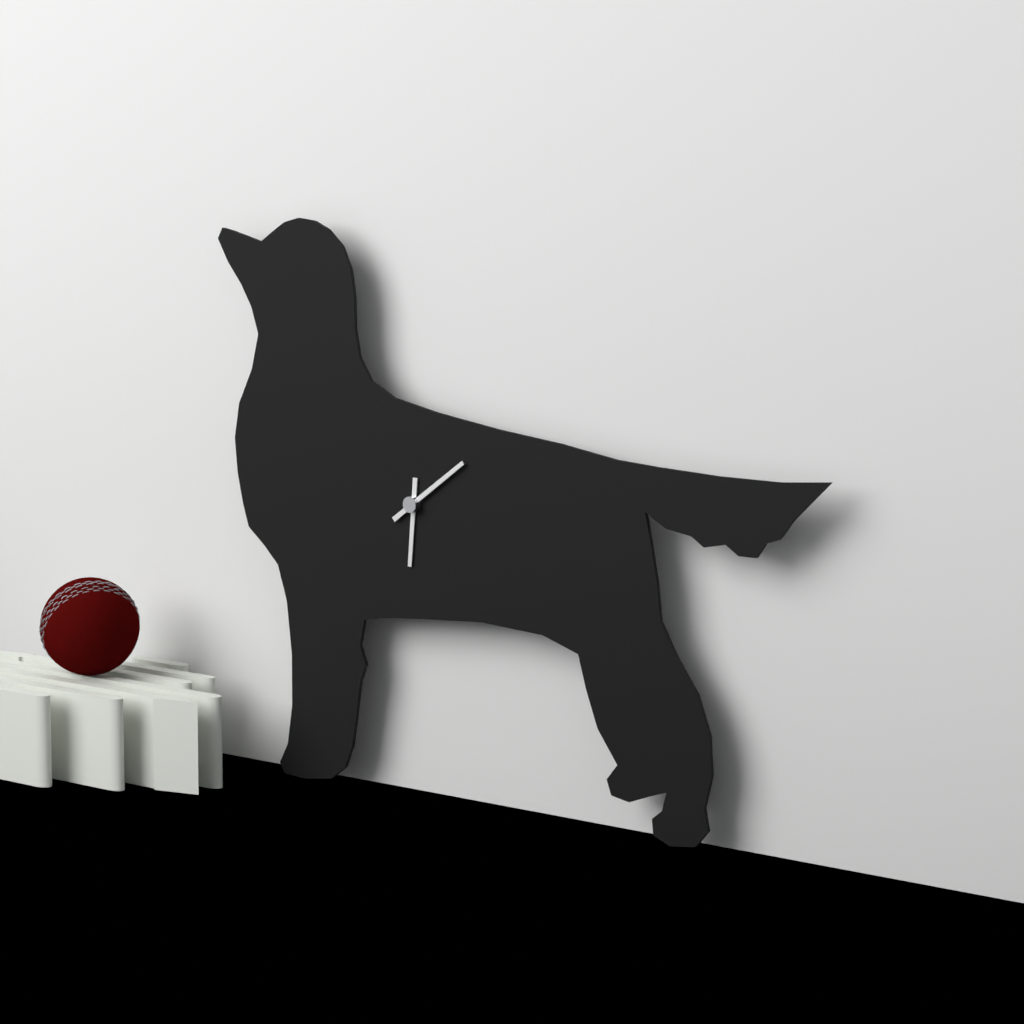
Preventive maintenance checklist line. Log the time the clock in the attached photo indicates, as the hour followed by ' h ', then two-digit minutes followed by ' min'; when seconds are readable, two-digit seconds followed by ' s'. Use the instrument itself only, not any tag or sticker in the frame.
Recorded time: 6 h 09 min
